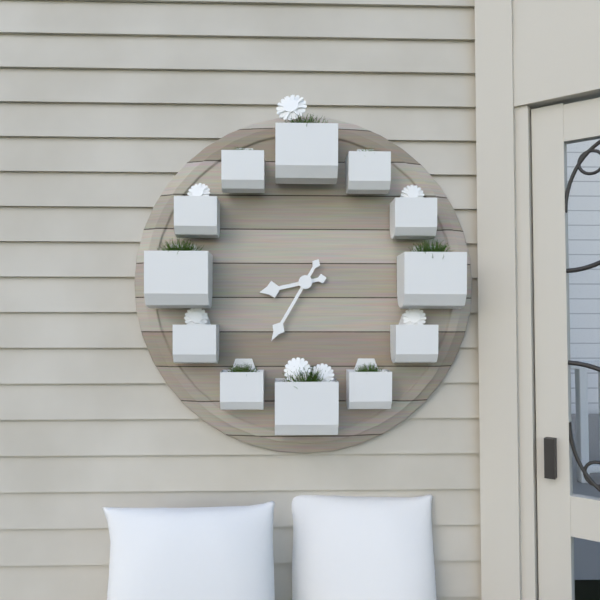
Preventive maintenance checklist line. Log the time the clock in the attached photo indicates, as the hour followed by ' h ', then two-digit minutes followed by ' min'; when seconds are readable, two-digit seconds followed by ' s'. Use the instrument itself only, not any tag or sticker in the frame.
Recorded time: 8 h 35 min
